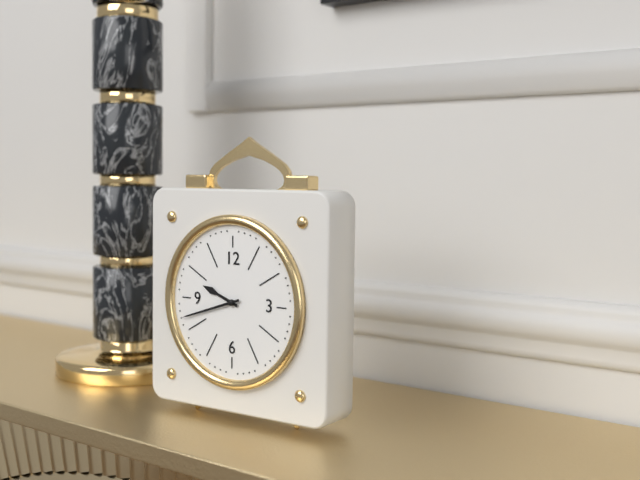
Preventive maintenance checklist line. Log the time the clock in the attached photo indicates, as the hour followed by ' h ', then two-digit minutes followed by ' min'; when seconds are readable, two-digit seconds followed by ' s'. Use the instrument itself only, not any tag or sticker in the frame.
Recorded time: 9 h 42 min
